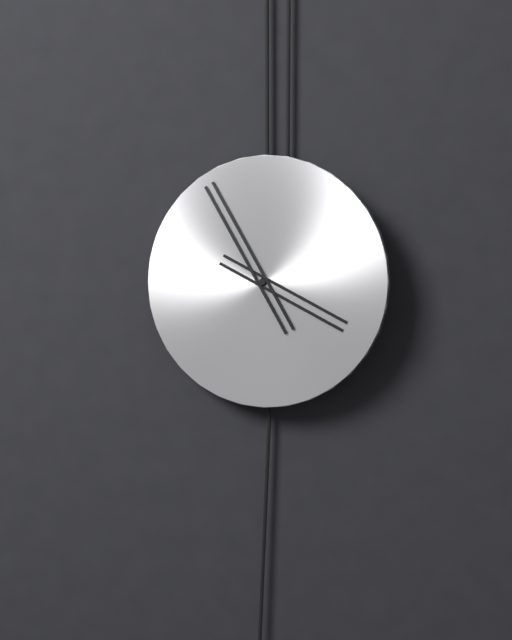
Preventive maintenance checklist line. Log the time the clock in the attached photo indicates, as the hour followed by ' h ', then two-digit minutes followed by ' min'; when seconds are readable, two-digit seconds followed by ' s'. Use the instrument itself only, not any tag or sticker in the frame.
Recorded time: 3 h 55 min
